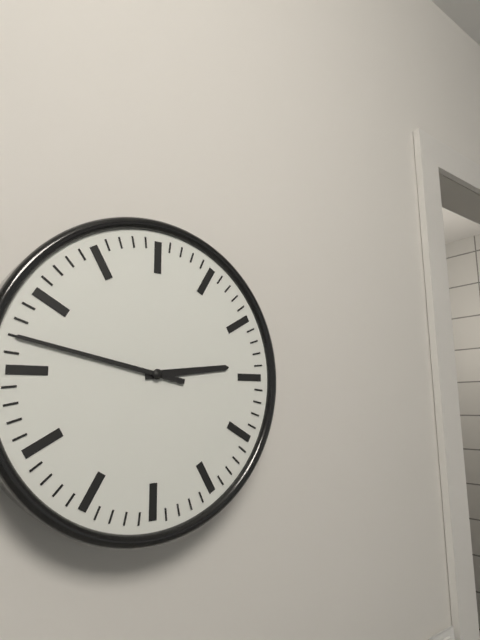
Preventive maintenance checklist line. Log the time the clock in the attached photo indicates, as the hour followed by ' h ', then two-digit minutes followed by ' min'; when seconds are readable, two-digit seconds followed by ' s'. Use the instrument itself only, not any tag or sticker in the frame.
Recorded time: 2 h 47 min
